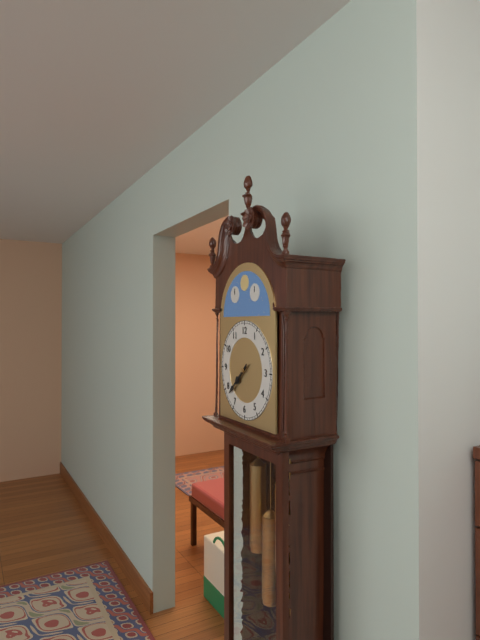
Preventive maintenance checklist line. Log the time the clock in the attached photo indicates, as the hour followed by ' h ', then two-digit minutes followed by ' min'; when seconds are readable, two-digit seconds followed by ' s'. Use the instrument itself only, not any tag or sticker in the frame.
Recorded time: 7 h 38 min
